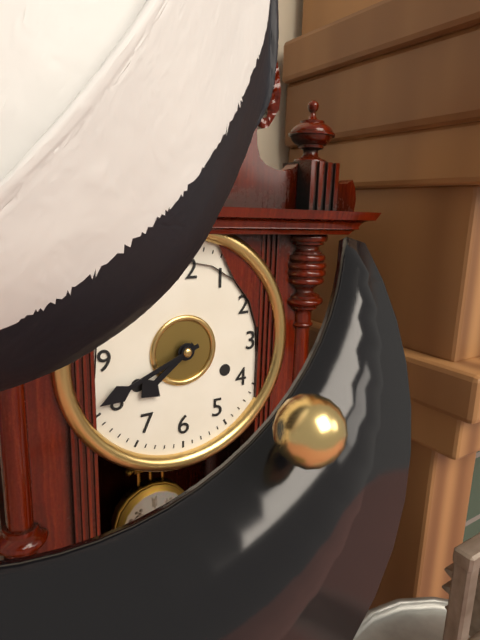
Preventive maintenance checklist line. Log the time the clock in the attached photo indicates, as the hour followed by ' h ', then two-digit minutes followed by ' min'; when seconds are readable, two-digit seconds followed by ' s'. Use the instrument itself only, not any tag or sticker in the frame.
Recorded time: 7 h 41 min
